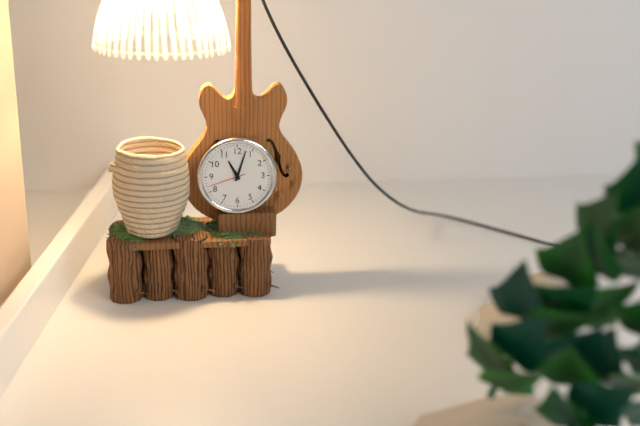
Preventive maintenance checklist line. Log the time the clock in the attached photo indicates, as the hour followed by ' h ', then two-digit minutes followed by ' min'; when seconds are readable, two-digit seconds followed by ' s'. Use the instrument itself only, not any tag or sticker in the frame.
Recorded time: 11 h 03 min
